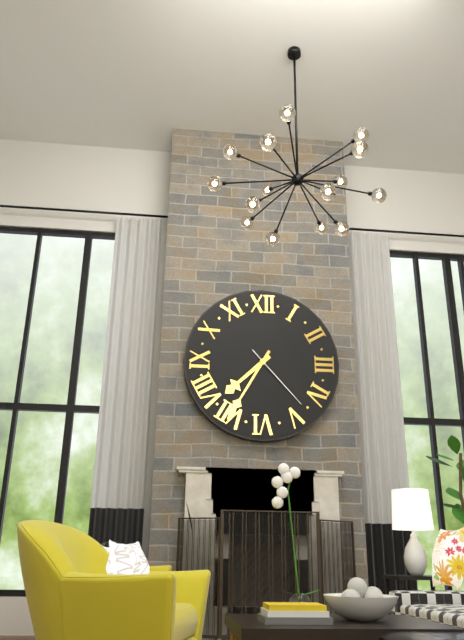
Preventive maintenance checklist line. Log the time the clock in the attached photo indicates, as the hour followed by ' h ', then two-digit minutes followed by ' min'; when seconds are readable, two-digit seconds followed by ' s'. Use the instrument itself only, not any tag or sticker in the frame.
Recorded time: 7 h 35 min 23 s
